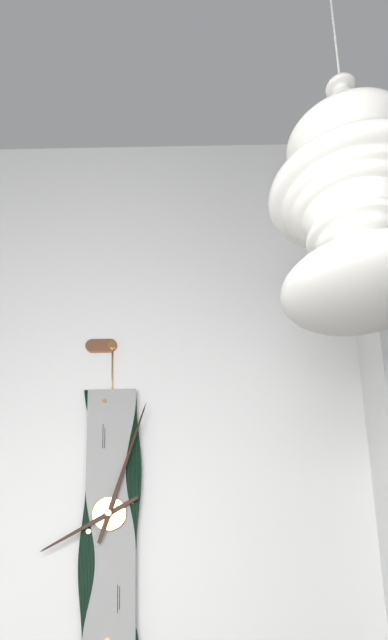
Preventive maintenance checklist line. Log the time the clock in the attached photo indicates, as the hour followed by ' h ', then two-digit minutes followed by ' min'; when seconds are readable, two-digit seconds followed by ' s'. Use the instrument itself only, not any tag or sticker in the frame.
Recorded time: 8 h 03 min
